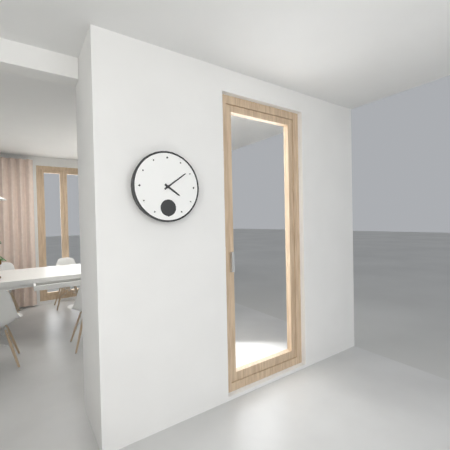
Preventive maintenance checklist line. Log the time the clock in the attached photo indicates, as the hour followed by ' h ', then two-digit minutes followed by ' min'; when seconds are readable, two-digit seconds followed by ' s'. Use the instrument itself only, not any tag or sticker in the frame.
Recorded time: 4 h 09 min
